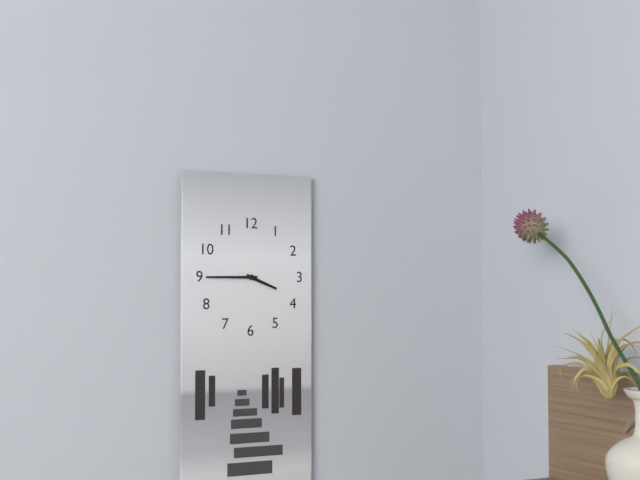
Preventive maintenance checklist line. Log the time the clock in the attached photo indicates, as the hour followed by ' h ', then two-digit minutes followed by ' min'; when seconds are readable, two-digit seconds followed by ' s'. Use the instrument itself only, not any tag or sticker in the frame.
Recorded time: 3 h 45 min
